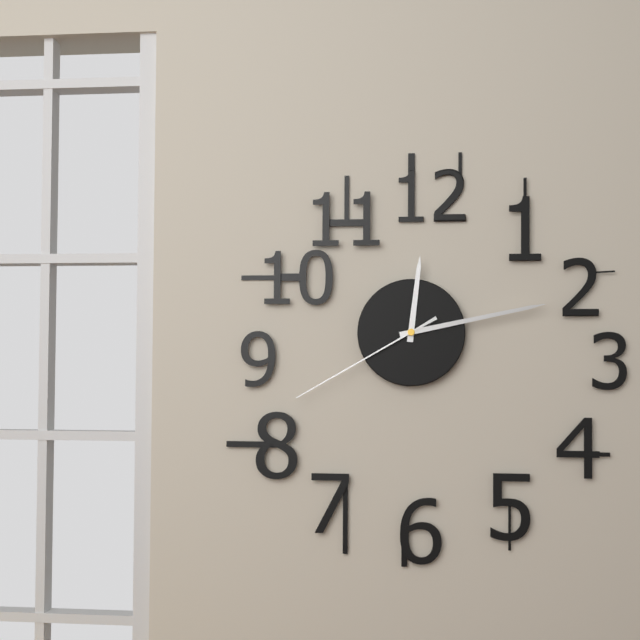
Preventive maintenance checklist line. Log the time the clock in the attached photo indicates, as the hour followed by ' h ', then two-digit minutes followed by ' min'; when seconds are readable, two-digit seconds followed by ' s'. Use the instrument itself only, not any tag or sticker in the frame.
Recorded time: 12 h 13 min 40 s
